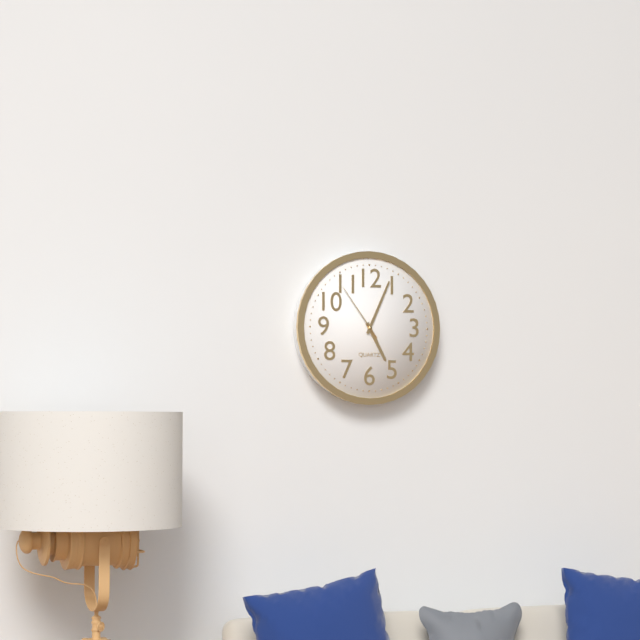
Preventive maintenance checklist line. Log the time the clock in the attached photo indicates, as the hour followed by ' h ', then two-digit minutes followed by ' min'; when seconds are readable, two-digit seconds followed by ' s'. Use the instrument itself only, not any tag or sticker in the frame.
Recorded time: 5 h 04 min 54 s
